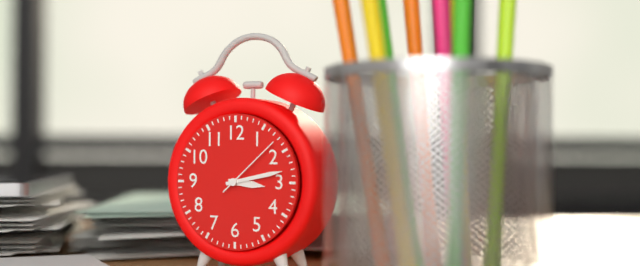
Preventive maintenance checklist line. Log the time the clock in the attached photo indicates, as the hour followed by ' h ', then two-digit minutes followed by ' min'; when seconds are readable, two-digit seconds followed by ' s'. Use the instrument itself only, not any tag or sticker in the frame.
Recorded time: 3 h 13 min 08 s
